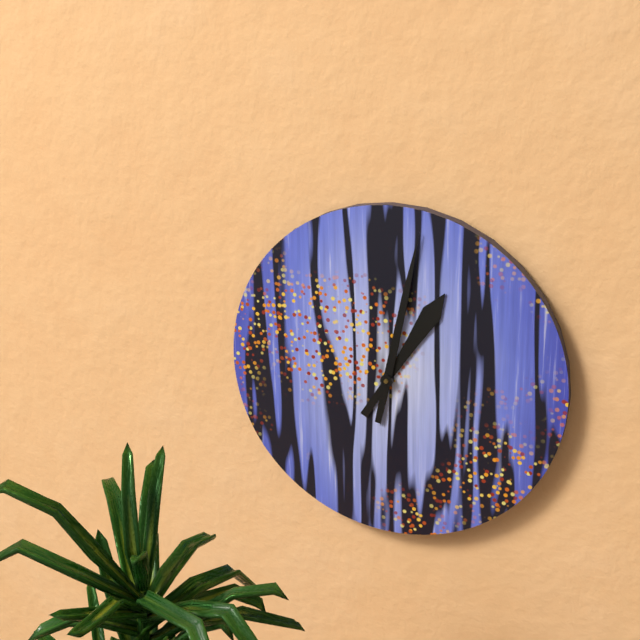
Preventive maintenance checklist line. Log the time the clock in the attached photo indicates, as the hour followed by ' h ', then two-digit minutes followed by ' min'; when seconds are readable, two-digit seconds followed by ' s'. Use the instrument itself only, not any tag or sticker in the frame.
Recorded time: 1 h 02 min
